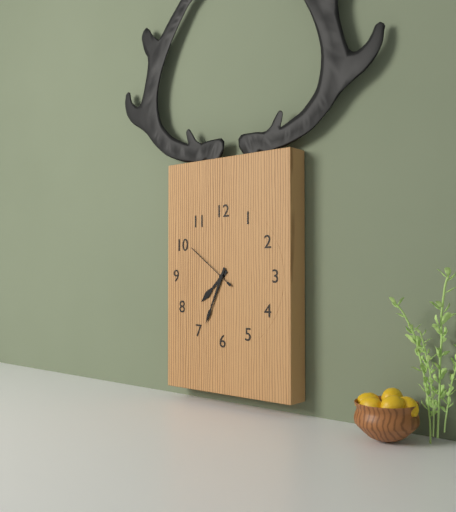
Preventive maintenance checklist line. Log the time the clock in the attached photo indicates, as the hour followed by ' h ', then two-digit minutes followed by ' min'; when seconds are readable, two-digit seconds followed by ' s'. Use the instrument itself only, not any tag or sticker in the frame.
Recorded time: 7 h 34 min 51 s
